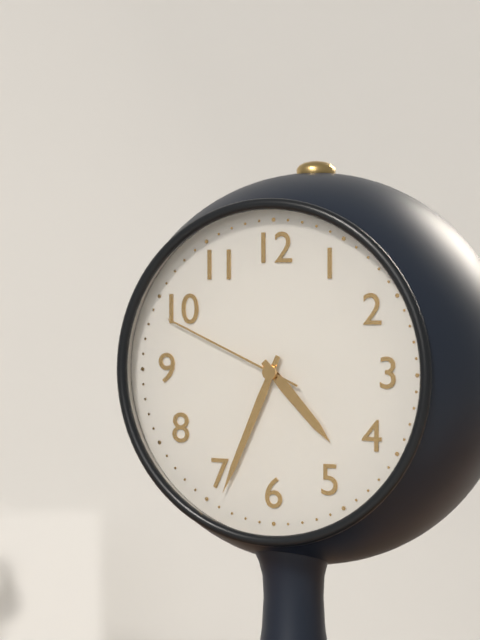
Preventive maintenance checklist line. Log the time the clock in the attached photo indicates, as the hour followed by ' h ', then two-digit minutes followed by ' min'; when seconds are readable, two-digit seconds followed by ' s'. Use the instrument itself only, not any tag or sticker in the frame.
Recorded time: 4 h 34 min 49 s
